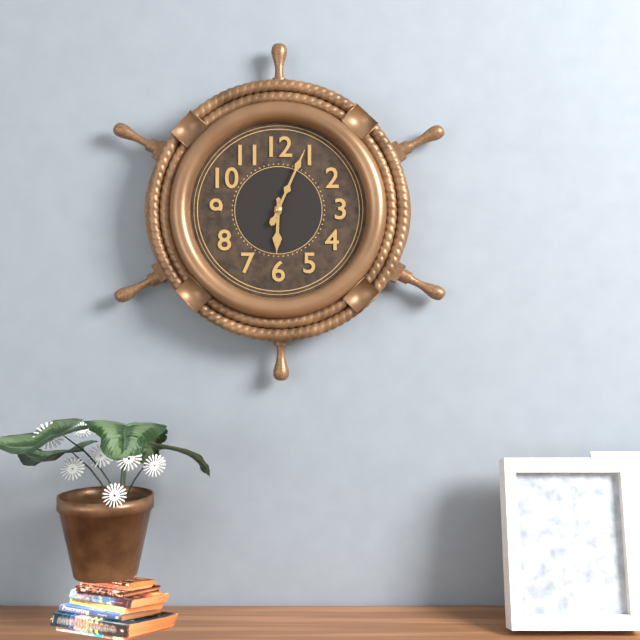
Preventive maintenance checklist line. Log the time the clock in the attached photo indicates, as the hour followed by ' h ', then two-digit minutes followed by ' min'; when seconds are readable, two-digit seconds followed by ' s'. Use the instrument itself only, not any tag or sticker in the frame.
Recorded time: 6 h 04 min
